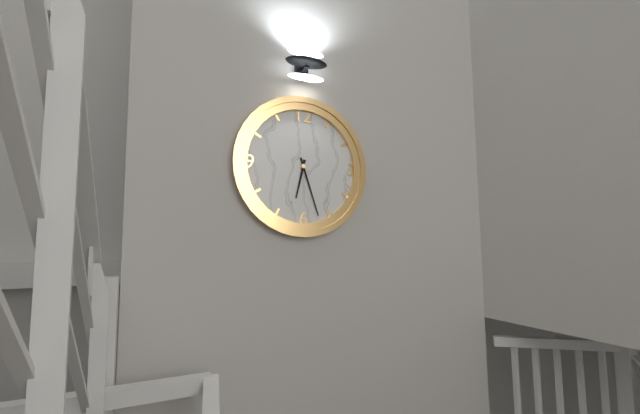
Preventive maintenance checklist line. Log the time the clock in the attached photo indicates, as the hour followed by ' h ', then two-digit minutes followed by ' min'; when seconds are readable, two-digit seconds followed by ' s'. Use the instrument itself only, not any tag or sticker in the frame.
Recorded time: 6 h 27 min
